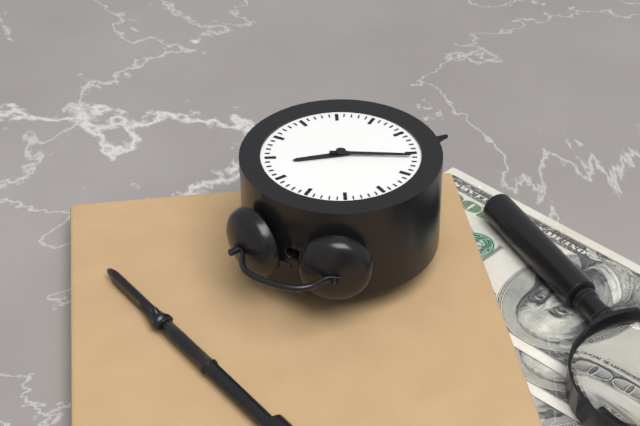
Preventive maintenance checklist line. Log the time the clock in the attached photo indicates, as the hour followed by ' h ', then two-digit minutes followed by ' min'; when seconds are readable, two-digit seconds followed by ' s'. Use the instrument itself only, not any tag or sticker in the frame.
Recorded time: 1 h 41 min
